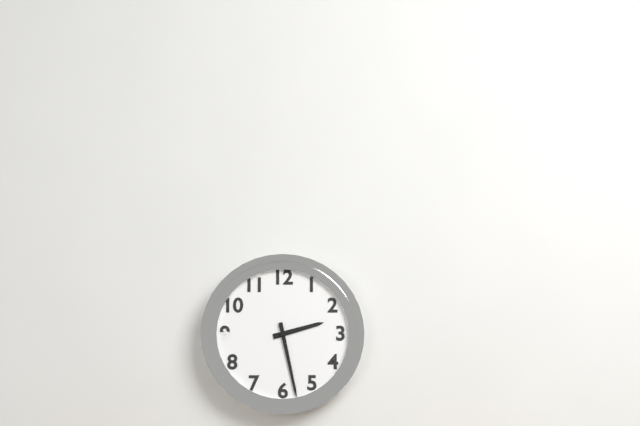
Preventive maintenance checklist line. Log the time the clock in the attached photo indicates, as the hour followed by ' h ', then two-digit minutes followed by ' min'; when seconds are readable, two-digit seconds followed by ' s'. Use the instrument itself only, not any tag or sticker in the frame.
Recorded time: 2 h 28 min
